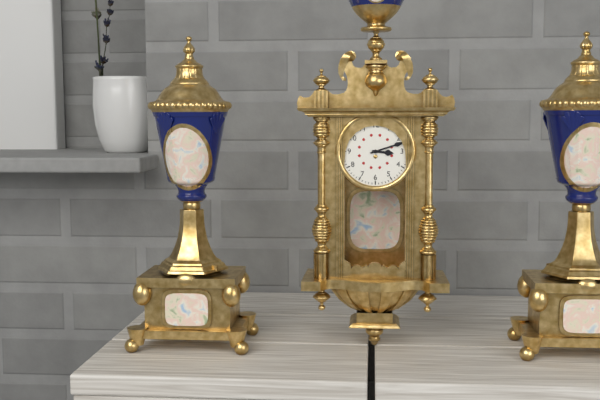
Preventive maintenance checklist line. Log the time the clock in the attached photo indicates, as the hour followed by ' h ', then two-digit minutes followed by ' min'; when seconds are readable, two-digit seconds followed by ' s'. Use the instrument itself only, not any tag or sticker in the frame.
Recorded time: 3 h 12 min
